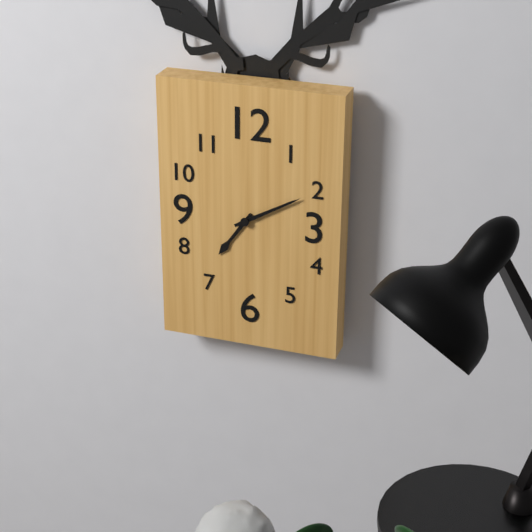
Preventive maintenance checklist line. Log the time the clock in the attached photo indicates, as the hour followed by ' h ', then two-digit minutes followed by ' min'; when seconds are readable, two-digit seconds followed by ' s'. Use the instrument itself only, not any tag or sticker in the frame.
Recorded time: 7 h 10 min
